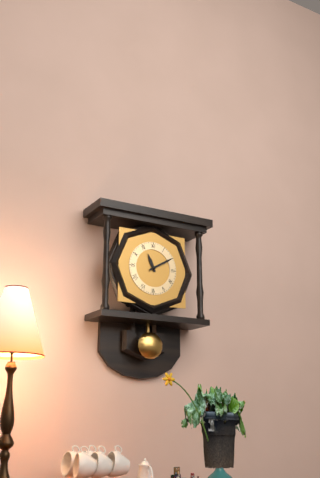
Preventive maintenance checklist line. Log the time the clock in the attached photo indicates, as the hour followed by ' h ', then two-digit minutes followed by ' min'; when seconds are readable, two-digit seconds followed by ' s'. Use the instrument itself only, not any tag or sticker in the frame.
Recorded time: 11 h 10 min
